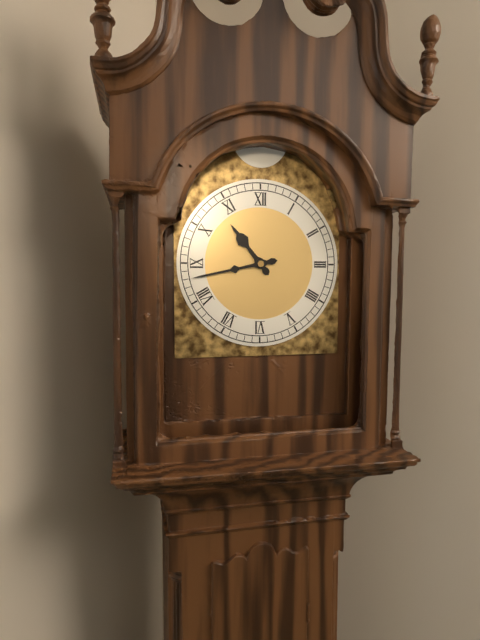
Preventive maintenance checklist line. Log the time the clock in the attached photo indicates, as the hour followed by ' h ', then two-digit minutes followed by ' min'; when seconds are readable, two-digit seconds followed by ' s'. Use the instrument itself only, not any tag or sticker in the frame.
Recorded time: 10 h 43 min
